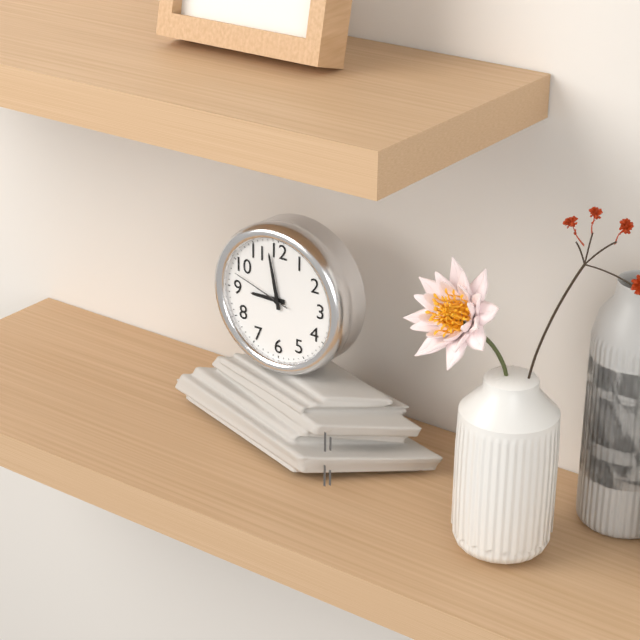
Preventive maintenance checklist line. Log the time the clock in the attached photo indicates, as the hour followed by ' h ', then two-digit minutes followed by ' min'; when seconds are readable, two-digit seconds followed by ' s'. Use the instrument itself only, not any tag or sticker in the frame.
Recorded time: 8 h 58 min 48 s
